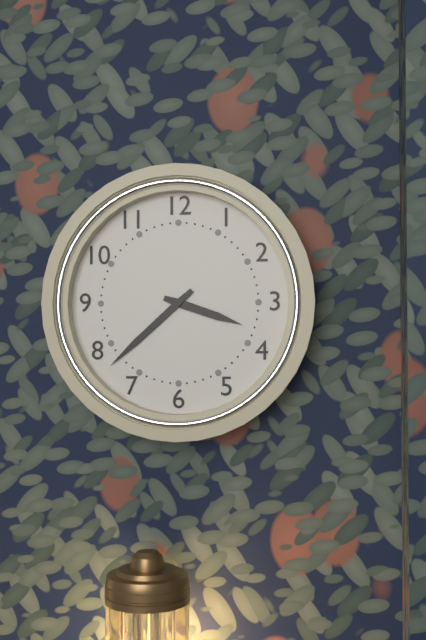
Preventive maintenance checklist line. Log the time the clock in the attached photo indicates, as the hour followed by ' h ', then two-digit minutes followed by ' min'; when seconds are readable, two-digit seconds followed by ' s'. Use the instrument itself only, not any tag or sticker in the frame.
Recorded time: 3 h 38 min
